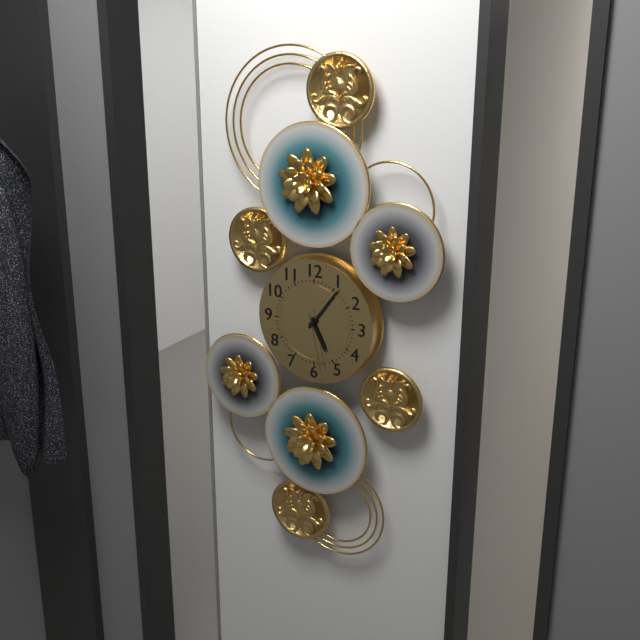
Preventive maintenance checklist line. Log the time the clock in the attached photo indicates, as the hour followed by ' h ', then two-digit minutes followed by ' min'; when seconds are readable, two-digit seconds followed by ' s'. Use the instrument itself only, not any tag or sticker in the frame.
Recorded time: 5 h 06 min 28 s
